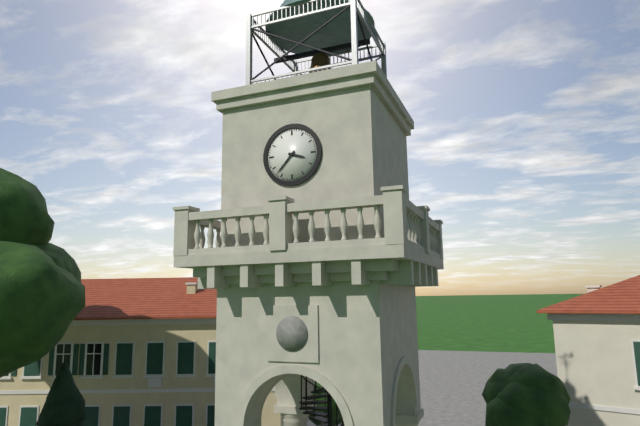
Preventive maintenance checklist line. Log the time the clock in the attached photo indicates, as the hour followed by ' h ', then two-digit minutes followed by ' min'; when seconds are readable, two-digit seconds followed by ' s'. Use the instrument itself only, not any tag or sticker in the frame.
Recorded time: 3 h 37 min
